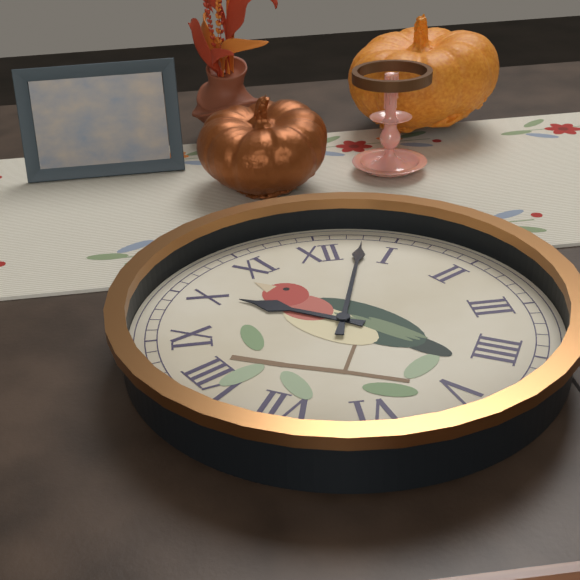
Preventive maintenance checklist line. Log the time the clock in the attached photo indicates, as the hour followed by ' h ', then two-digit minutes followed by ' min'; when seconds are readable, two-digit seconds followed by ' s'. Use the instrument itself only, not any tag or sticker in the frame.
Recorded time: 10 h 03 min
